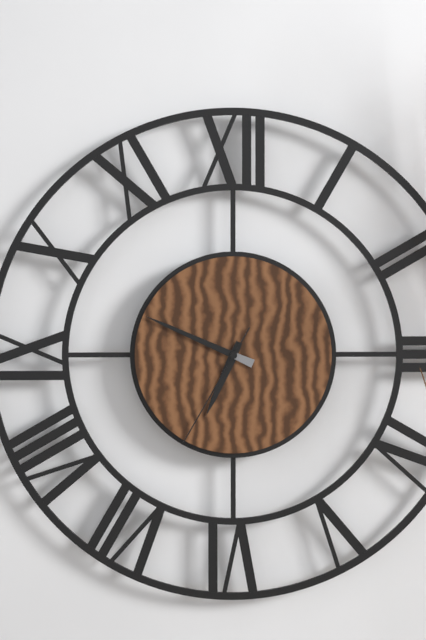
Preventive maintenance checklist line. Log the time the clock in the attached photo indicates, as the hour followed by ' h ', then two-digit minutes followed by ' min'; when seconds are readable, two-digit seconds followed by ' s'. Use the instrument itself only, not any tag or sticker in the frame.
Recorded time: 6 h 49 min 35 s
